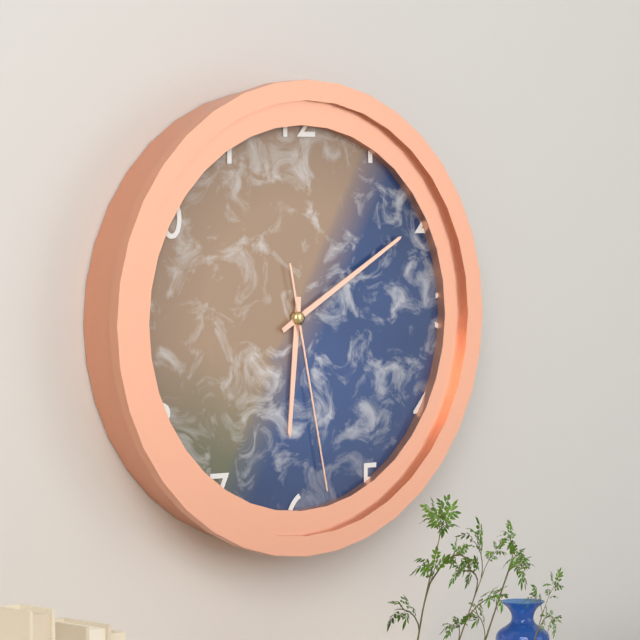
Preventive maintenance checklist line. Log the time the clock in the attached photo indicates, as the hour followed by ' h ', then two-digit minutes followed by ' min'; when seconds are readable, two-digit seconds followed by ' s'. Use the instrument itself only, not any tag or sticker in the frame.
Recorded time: 6 h 10 min 28 s
